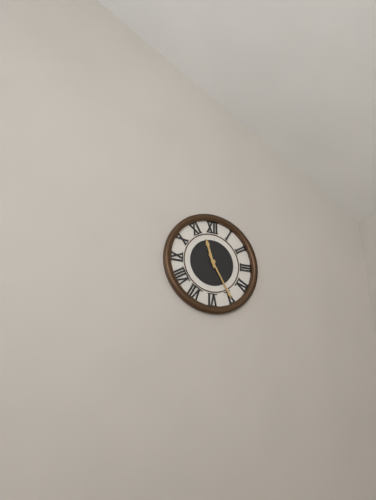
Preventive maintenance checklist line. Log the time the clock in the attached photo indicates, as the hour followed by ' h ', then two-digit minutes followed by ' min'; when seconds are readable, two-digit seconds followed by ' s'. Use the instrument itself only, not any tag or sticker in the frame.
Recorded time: 11 h 25 min
